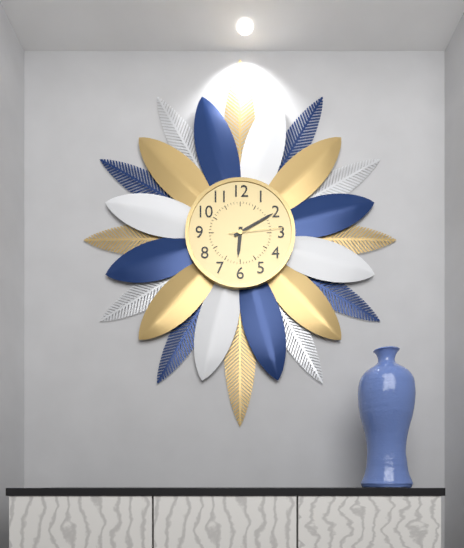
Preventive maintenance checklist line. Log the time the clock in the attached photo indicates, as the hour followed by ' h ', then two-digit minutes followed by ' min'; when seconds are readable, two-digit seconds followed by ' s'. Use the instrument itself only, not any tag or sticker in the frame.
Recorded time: 6 h 10 min 14 s
